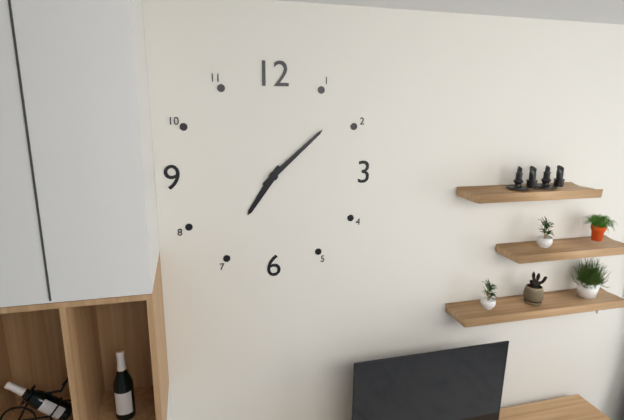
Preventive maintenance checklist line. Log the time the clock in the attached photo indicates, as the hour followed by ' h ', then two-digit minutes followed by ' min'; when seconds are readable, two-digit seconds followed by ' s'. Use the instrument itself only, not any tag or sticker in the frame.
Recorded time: 7 h 08 min
